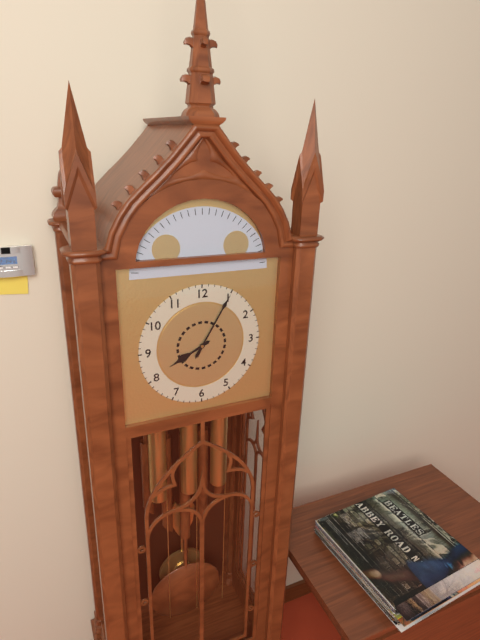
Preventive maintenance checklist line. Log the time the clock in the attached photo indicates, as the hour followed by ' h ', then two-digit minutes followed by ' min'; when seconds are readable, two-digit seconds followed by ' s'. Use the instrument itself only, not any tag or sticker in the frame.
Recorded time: 8 h 05 min
